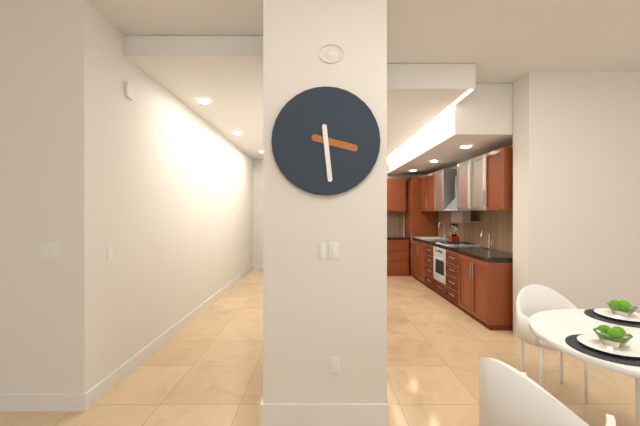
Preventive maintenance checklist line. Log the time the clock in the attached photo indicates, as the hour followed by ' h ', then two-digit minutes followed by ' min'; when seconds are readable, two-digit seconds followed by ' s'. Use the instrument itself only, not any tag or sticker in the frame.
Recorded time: 3 h 29 min
